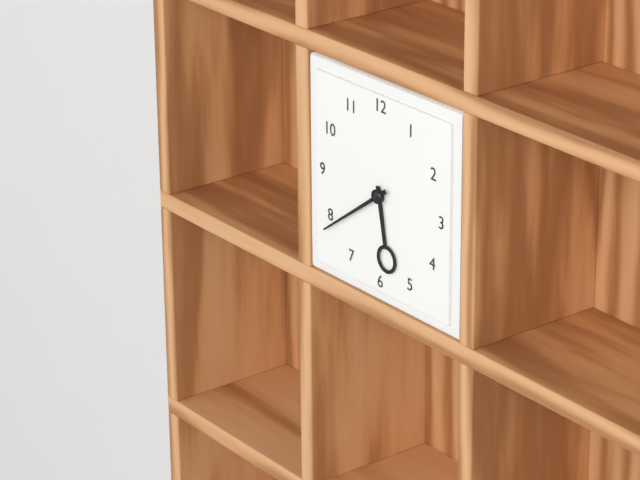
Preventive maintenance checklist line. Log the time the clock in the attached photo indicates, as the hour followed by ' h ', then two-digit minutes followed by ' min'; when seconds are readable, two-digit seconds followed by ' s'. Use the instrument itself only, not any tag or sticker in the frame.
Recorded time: 5 h 39 min
